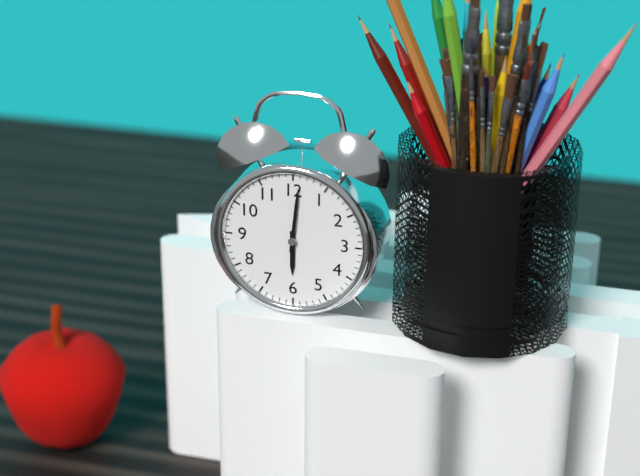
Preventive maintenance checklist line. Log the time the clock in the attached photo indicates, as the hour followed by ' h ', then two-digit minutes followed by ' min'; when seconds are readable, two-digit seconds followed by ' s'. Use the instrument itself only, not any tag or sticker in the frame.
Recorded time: 6 h 01 min
